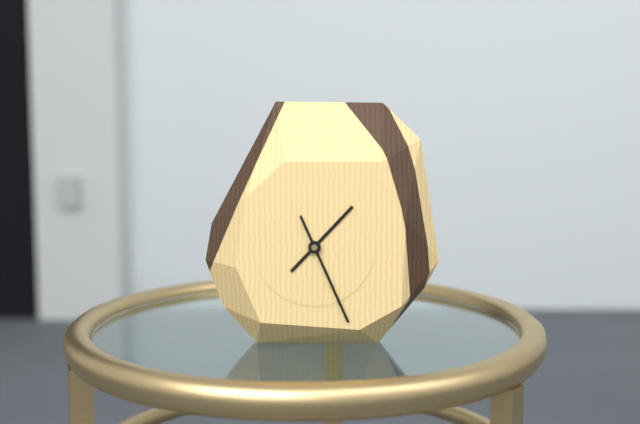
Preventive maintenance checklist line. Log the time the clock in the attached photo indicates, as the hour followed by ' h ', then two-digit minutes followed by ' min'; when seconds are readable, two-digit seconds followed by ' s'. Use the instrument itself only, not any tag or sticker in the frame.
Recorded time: 1 h 26 min
